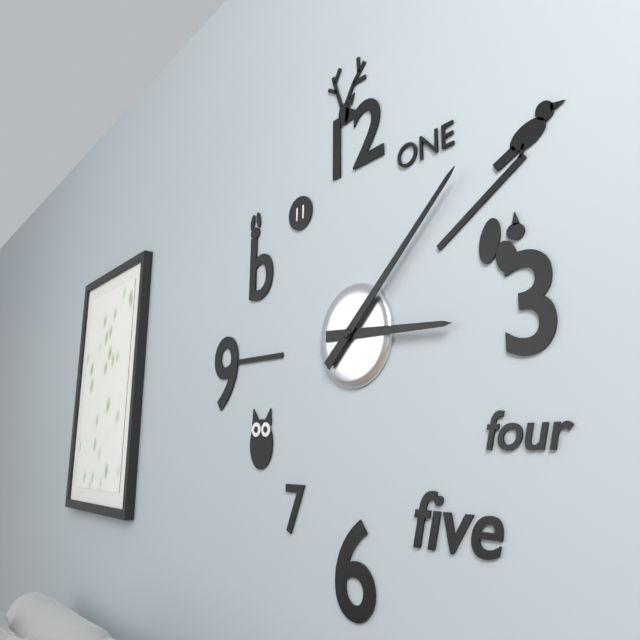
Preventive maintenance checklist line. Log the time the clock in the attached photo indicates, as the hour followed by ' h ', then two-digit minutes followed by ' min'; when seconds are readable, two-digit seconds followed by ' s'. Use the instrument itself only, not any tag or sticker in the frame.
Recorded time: 3 h 08 min
